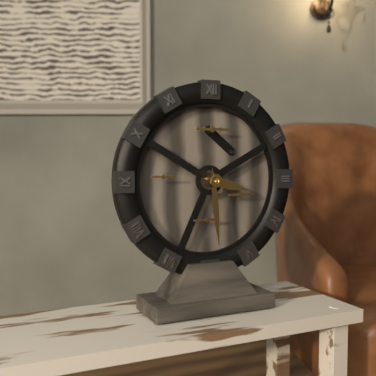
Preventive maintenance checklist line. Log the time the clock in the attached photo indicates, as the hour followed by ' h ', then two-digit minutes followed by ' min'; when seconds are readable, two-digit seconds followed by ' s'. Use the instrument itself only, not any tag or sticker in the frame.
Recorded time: 3 h 29 min
